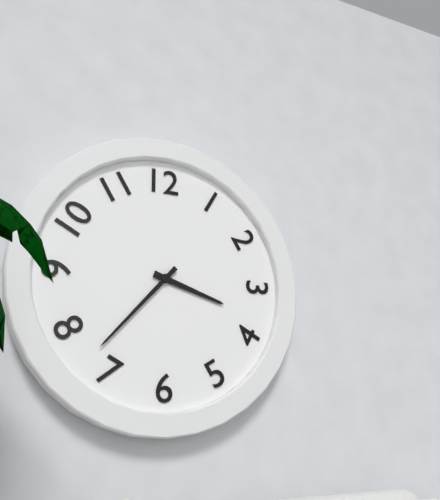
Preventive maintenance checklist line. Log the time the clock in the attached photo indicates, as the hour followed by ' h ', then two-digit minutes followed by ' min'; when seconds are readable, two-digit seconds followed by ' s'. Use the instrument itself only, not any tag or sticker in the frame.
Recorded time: 3 h 37 min
